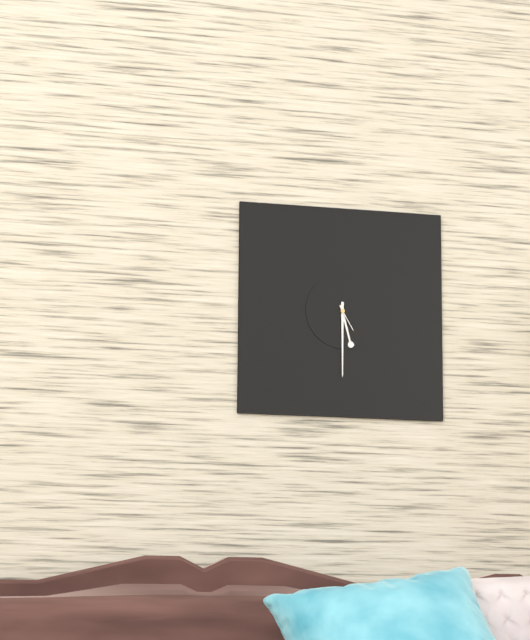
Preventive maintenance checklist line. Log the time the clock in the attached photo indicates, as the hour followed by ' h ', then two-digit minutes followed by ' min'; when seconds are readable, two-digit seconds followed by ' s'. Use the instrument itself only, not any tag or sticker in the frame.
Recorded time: 5 h 30 min
